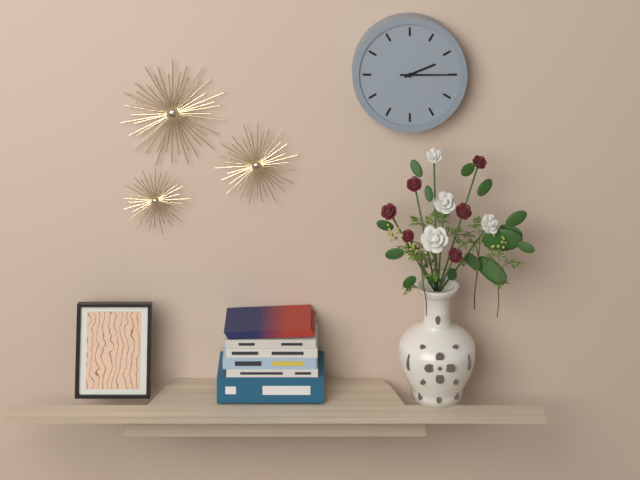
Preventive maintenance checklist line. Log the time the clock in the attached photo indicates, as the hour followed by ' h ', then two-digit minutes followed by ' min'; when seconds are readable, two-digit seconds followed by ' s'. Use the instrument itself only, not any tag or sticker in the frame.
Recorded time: 2 h 15 min
